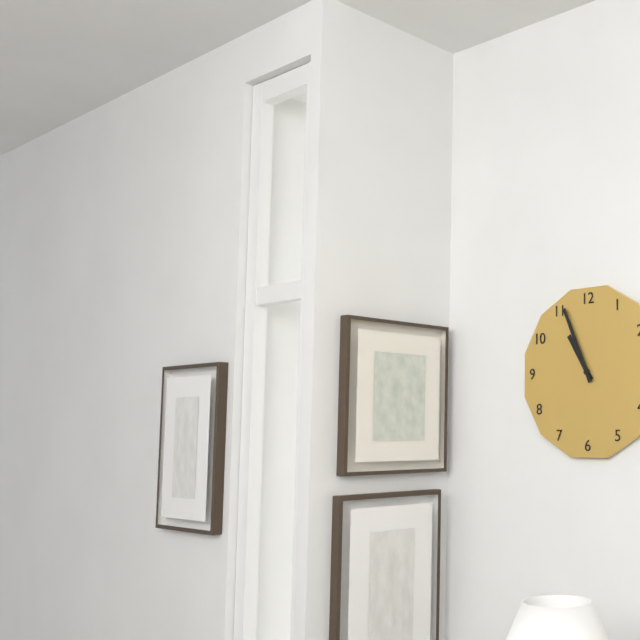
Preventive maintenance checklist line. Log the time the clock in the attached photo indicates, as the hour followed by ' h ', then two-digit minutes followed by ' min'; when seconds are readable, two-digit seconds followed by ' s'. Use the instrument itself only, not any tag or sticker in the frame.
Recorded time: 10 h 56 min
